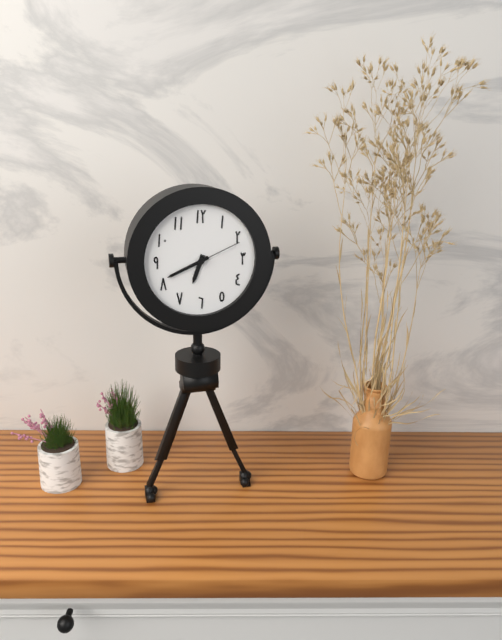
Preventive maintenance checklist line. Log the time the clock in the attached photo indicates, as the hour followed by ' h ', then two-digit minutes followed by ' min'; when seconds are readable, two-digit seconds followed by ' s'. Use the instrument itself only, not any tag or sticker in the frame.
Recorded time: 6 h 41 min 11 s
